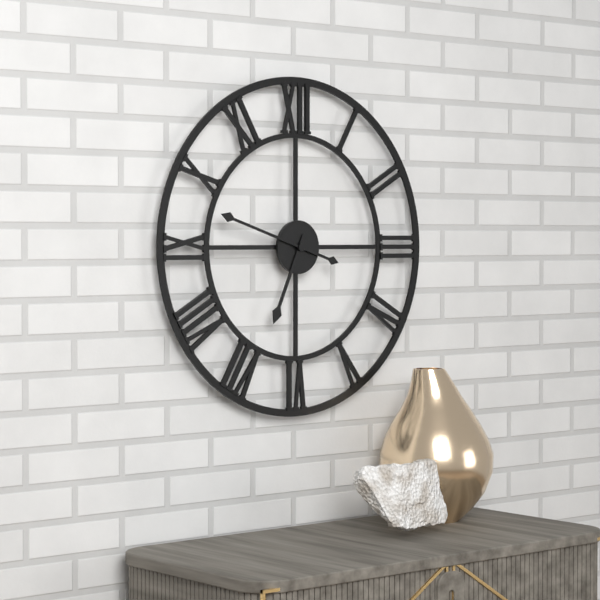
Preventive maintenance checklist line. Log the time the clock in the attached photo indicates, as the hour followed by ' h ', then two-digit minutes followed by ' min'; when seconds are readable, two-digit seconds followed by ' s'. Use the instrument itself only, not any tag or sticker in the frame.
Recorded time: 6 h 48 min
